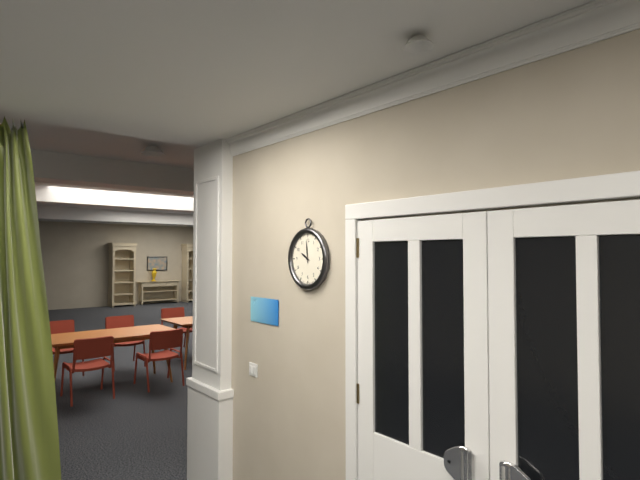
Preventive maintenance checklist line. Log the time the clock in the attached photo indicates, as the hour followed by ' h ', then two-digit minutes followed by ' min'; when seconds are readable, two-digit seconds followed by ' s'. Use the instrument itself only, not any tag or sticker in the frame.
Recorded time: 9 h 59 min
